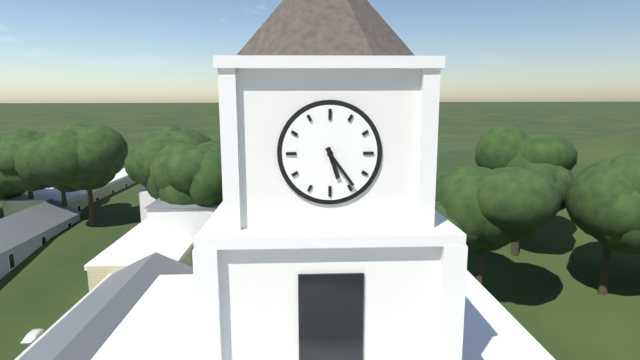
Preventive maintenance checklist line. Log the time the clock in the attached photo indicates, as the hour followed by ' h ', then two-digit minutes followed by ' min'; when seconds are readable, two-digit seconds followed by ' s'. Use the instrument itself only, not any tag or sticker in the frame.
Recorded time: 5 h 24 min
